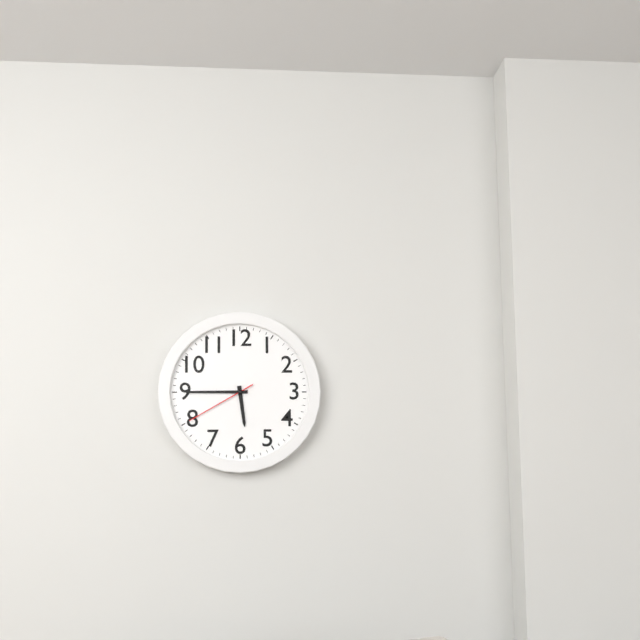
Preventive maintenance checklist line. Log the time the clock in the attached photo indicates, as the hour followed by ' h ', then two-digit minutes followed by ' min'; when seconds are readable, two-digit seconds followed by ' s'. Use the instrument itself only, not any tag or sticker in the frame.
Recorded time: 5 h 45 min 40 s
